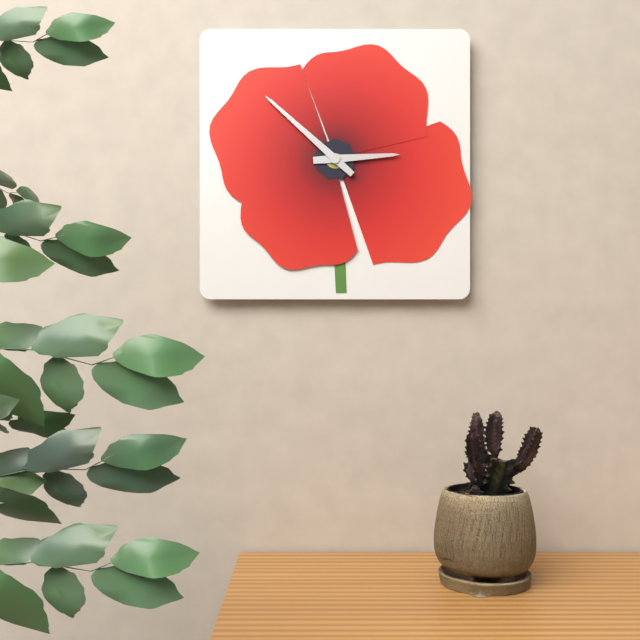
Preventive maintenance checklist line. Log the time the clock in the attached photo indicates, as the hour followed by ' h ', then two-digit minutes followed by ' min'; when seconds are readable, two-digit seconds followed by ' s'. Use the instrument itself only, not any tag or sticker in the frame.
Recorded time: 2 h 52 min
